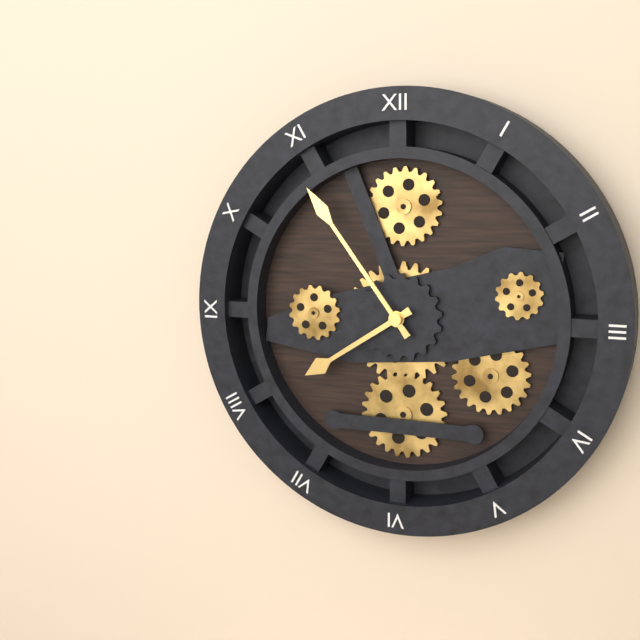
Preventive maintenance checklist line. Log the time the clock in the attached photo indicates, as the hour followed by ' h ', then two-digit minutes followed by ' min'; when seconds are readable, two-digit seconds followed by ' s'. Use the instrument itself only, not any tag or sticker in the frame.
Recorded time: 7 h 54 min
